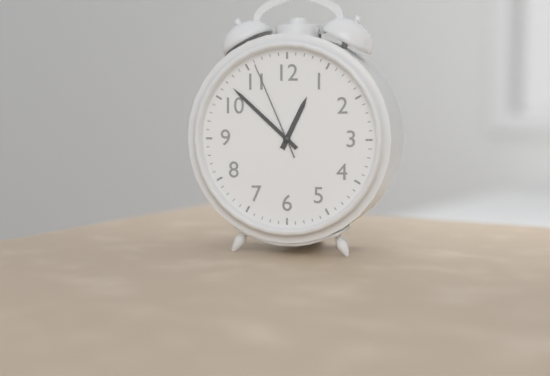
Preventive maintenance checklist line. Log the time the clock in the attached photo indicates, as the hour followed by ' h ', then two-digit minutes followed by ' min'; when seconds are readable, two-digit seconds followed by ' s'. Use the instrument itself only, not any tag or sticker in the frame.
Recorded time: 12 h 52 min 56 s
